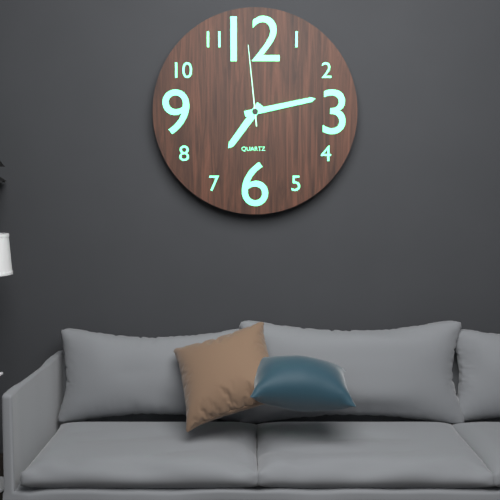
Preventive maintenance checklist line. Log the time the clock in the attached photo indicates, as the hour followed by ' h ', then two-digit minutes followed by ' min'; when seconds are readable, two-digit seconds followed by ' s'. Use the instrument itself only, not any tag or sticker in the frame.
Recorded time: 7 h 13 min 59 s
